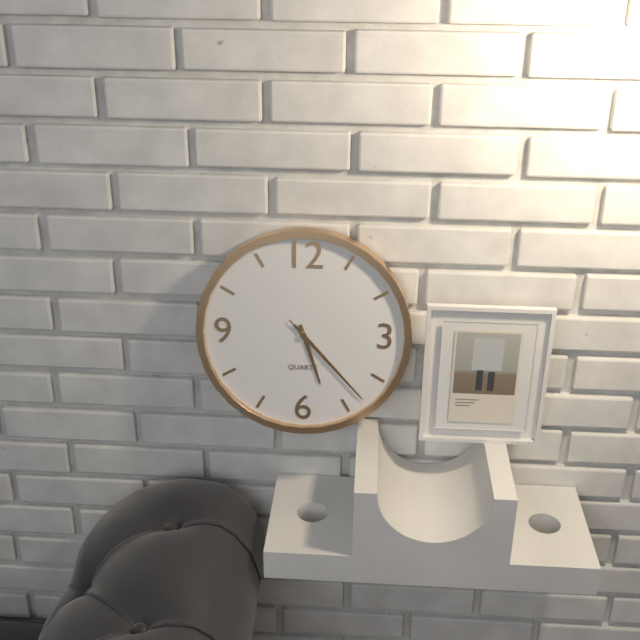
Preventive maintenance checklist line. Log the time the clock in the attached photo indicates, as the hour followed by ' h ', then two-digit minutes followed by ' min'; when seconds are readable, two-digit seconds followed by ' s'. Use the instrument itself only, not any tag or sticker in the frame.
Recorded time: 5 h 23 min 23 s
